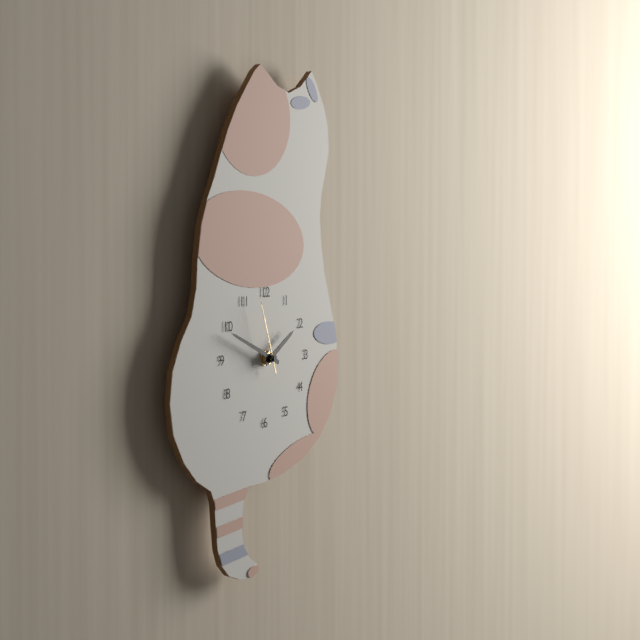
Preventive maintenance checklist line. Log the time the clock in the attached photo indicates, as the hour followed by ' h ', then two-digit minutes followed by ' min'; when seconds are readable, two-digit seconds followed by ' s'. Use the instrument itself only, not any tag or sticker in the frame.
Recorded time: 1 h 49 min 57 s
